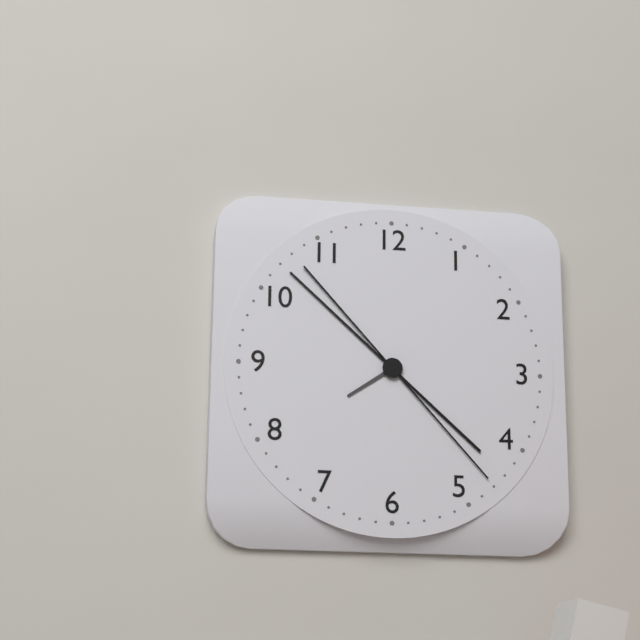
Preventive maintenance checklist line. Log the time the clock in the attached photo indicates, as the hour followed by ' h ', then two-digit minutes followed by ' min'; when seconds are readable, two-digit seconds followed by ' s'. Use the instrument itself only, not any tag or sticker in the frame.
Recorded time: 7 h 52 min 23 s
